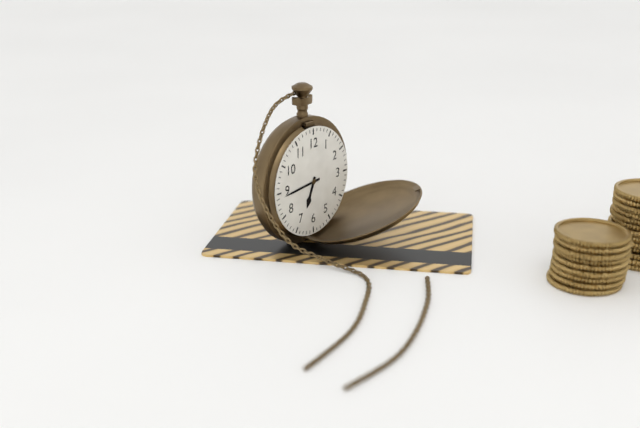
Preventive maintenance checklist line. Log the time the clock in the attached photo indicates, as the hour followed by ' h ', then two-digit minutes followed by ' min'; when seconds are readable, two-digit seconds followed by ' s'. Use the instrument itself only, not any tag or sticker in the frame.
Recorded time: 6 h 44 min
